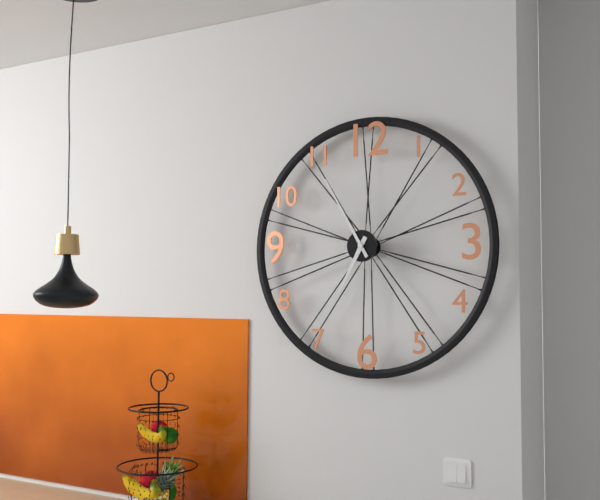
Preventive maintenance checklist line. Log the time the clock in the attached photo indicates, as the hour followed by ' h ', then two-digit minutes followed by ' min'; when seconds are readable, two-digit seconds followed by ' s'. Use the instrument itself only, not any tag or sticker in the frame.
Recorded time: 6 h 55 min
